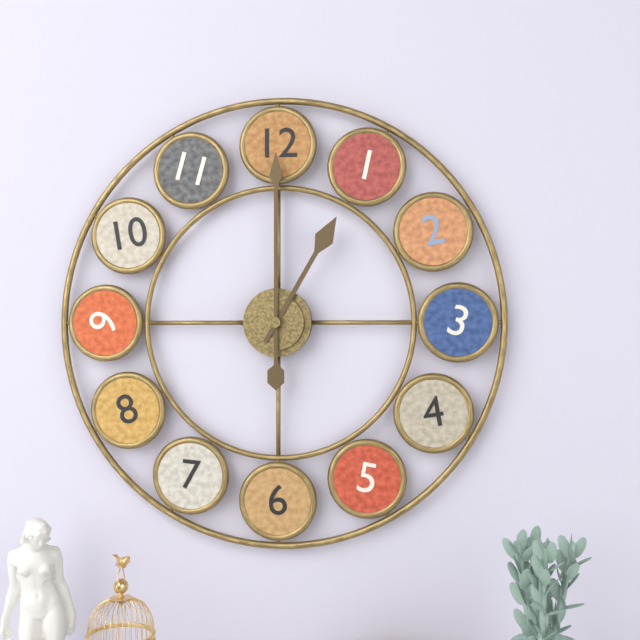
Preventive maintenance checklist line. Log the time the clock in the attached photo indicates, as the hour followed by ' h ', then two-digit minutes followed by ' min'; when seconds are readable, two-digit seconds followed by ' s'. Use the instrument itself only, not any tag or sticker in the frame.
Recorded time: 1 h 00 min
